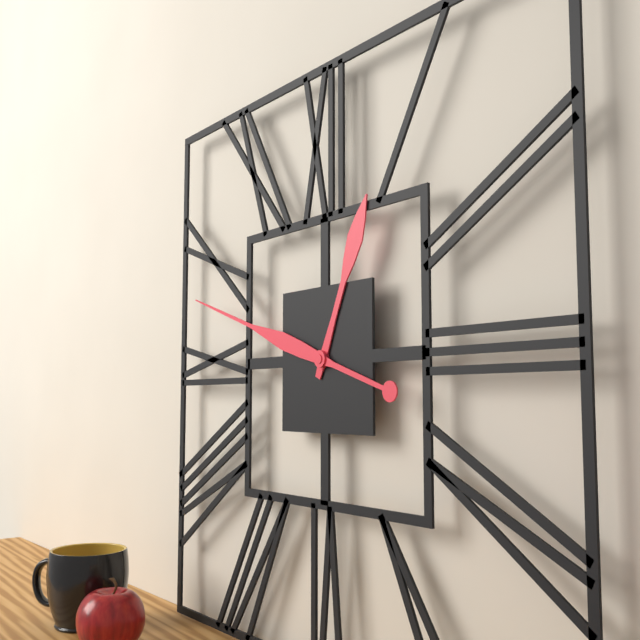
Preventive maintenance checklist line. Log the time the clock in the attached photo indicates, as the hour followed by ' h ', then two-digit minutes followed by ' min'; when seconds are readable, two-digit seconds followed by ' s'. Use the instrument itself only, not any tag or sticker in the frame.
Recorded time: 12 h 48 min
